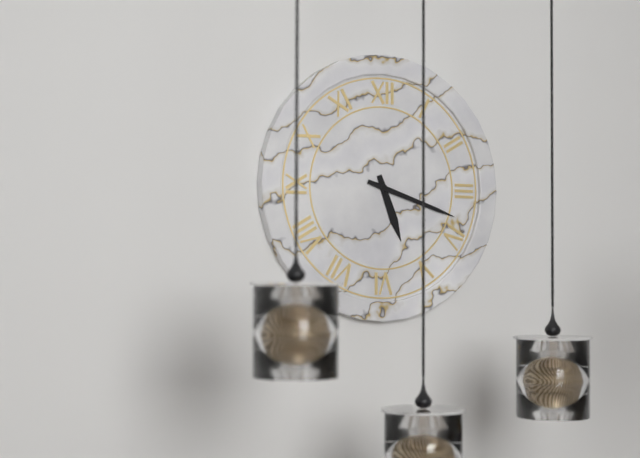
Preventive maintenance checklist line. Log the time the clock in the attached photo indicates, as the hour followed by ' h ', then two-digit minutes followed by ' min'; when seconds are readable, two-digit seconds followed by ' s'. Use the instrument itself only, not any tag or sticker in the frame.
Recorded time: 5 h 18 min
